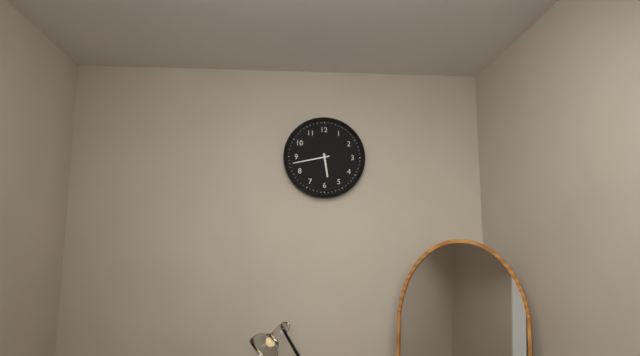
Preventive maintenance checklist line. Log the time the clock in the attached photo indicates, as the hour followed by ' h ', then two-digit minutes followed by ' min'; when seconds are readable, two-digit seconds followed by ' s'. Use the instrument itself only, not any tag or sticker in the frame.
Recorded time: 5 h 43 min
